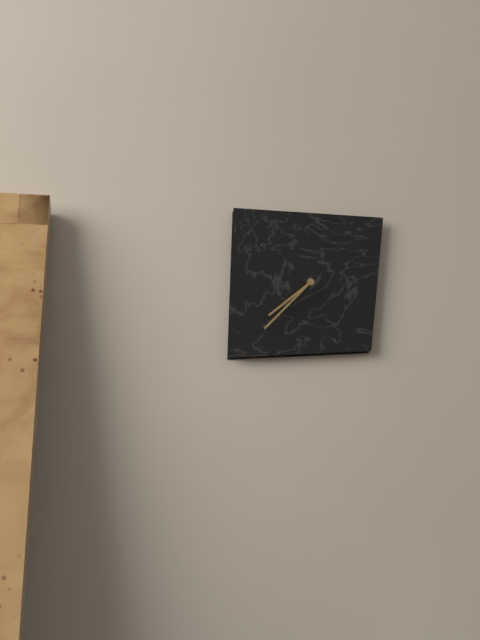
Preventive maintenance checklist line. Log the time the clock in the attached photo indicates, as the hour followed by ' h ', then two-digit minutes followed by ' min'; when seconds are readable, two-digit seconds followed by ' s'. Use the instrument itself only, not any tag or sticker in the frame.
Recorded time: 7 h 37 min
